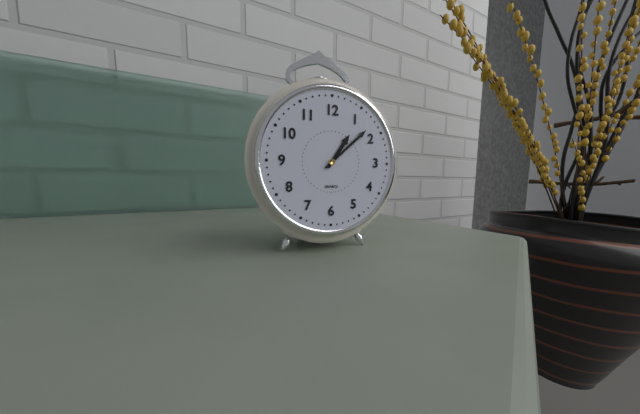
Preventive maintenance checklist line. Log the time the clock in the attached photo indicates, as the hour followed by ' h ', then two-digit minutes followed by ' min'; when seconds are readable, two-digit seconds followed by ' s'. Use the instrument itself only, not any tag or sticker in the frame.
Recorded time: 1 h 08 min
